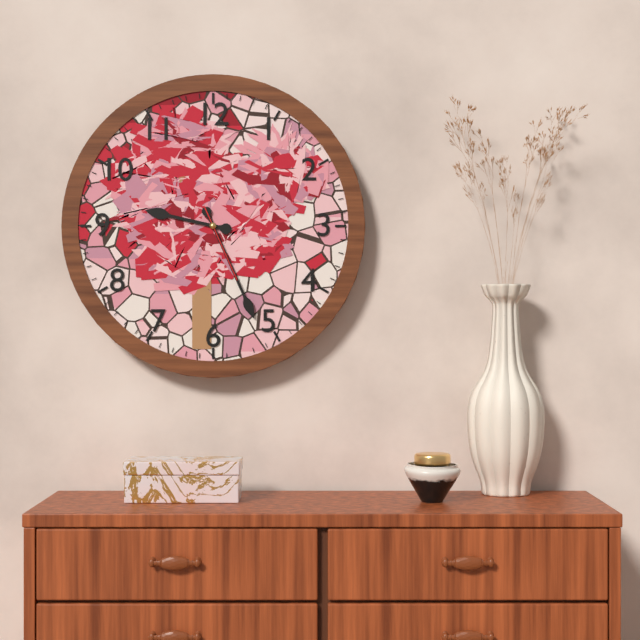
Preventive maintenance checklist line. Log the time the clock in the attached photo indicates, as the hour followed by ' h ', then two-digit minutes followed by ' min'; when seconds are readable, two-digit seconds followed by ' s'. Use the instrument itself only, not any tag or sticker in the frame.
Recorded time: 9 h 26 min 26 s
